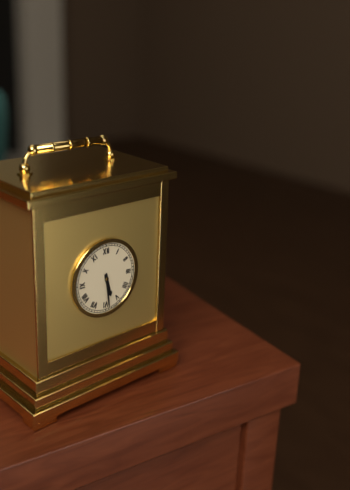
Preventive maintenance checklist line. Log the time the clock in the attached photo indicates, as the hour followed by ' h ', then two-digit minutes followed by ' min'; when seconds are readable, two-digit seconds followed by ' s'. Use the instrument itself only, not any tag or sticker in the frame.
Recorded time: 5 h 29 min
